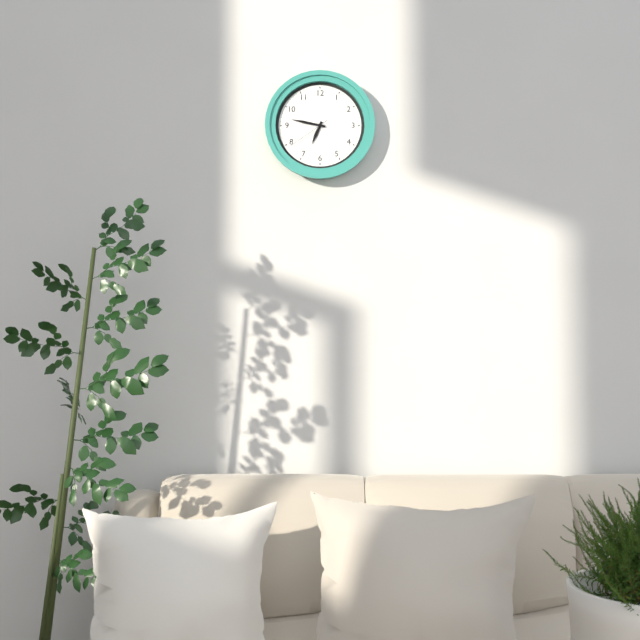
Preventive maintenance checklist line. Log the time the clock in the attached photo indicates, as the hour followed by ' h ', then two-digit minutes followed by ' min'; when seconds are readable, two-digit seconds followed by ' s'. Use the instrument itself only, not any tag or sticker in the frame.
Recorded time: 6 h 47 min
